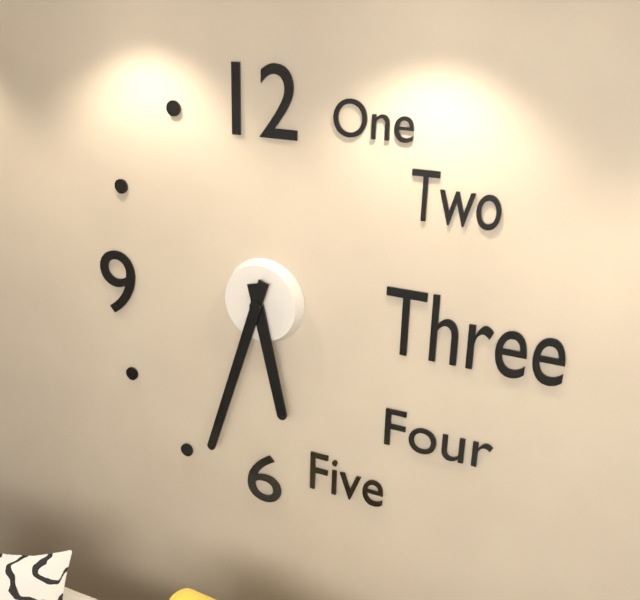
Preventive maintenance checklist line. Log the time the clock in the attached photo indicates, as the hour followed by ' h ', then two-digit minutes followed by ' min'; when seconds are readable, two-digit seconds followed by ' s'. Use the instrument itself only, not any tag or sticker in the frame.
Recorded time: 5 h 33 min
